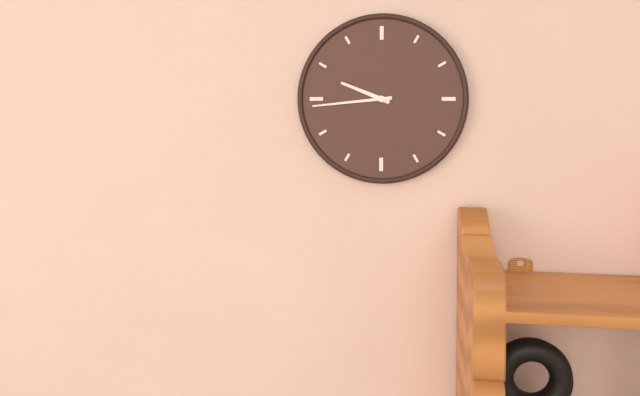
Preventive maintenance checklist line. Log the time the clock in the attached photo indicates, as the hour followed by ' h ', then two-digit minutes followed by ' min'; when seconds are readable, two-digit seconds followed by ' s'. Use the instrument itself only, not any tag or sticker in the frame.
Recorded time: 9 h 44 min
